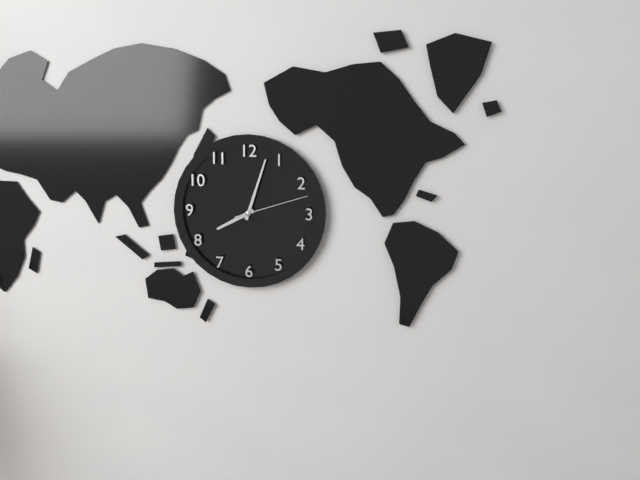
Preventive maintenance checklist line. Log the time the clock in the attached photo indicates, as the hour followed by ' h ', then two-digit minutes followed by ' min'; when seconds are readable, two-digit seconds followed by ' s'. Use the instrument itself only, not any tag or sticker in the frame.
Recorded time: 8 h 03 min 12 s
